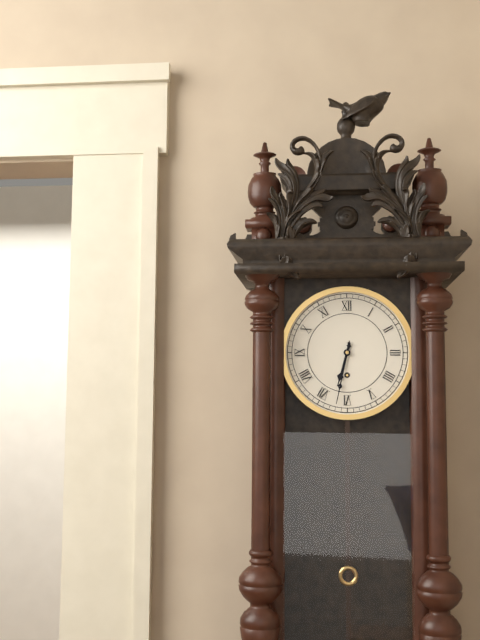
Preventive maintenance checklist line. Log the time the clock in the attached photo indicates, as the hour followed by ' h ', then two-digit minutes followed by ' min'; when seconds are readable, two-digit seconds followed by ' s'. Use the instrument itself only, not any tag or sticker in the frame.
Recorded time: 6 h 32 min
